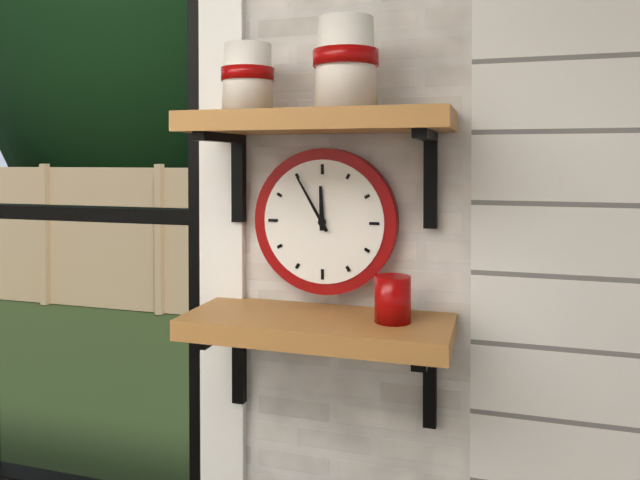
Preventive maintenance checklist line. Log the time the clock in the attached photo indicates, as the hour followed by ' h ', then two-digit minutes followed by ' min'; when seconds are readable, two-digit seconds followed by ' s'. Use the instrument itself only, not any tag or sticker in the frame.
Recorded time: 11 h 55 min
